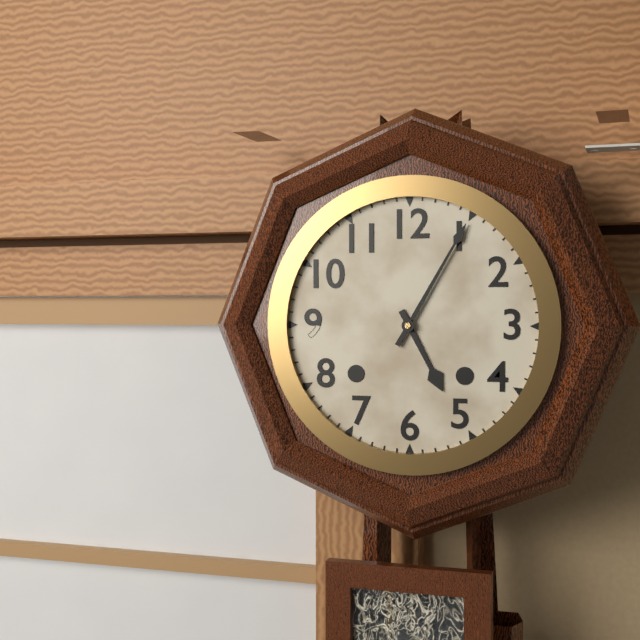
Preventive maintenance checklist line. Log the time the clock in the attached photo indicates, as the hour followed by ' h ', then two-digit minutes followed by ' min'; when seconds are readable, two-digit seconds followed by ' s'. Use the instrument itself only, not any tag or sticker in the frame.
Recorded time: 5 h 05 min
